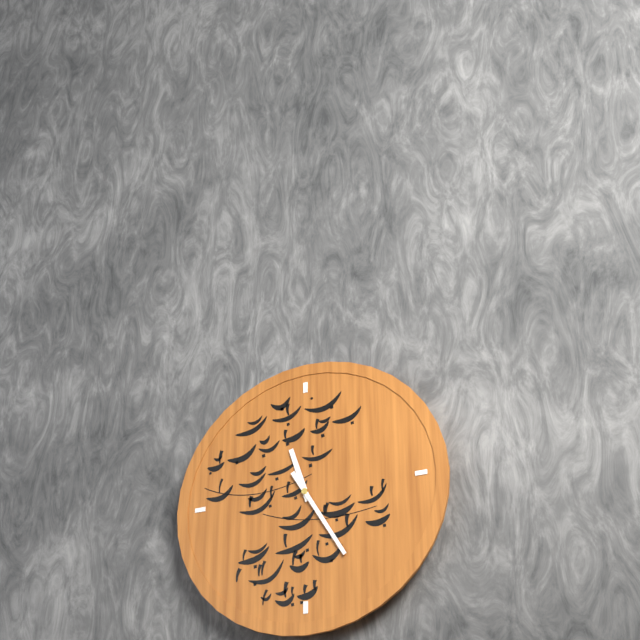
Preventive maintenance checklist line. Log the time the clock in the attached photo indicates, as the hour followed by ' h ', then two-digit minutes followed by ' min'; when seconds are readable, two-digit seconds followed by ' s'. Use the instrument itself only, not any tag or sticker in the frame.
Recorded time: 11 h 25 min
